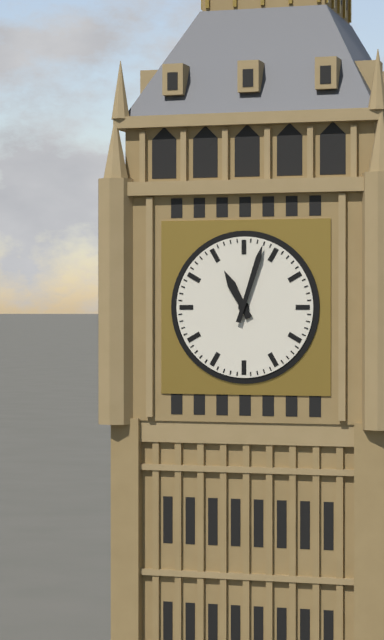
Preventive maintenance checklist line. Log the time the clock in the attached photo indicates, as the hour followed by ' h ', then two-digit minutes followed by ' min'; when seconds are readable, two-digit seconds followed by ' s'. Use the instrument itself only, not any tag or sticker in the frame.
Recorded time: 11 h 03 min
